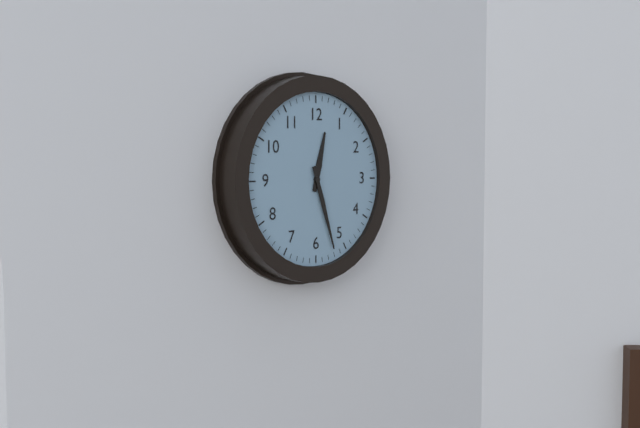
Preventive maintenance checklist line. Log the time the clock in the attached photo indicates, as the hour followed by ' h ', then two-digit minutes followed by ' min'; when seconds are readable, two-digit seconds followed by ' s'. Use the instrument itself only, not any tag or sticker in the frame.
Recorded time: 12 h 27 min
